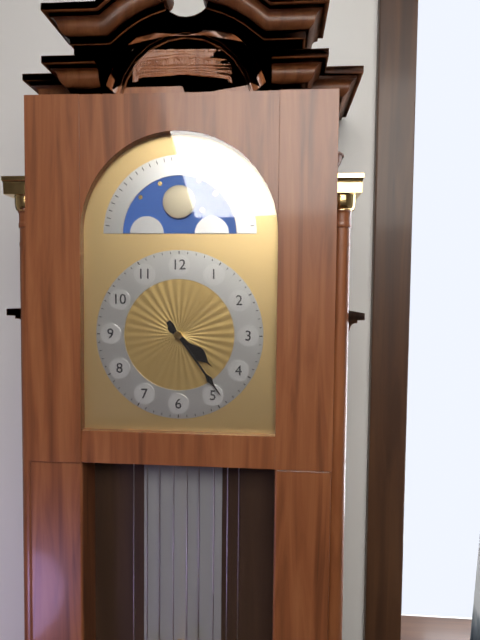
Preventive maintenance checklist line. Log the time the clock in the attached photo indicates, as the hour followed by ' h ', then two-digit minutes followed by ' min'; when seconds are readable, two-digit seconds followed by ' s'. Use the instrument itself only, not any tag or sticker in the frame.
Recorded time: 4 h 24 min
